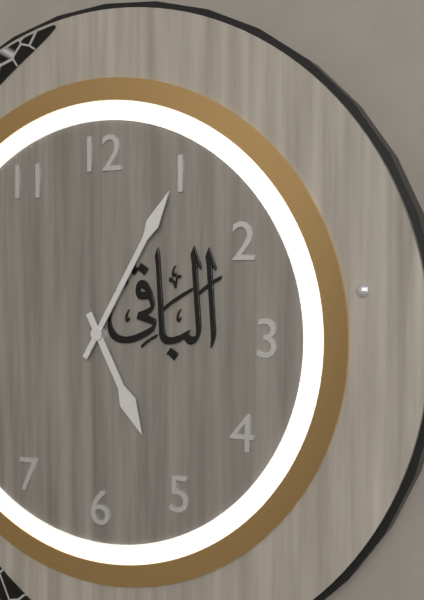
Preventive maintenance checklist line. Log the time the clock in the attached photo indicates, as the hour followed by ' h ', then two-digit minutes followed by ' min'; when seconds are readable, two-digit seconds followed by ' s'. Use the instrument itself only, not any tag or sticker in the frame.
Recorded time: 5 h 05 min
